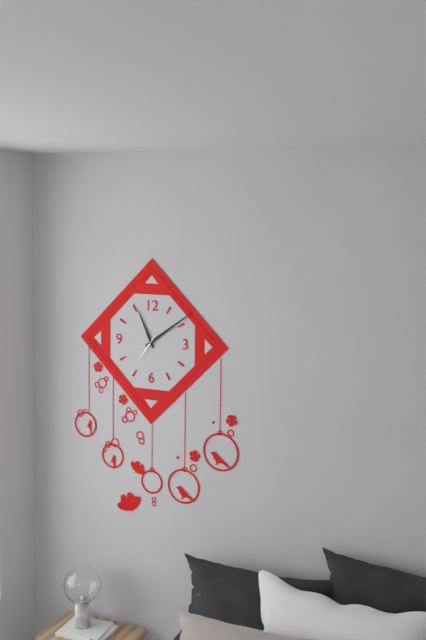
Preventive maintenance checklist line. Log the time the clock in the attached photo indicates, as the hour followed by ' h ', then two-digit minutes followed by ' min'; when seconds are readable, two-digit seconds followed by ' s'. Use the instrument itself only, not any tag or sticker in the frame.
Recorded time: 11 h 09 min
